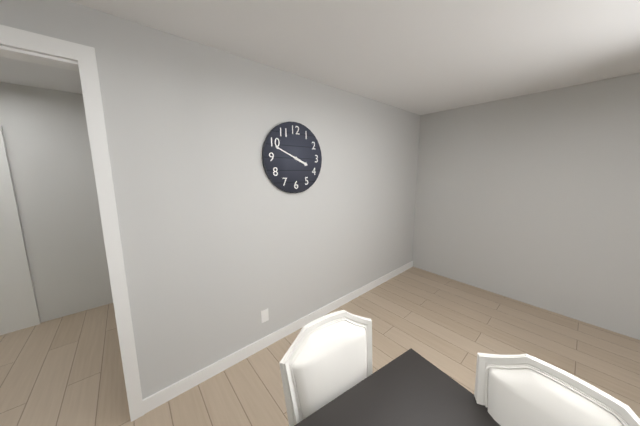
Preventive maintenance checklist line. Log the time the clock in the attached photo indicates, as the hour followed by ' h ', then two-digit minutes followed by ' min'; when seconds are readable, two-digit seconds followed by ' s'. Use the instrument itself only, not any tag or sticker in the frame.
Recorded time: 3 h 49 min
